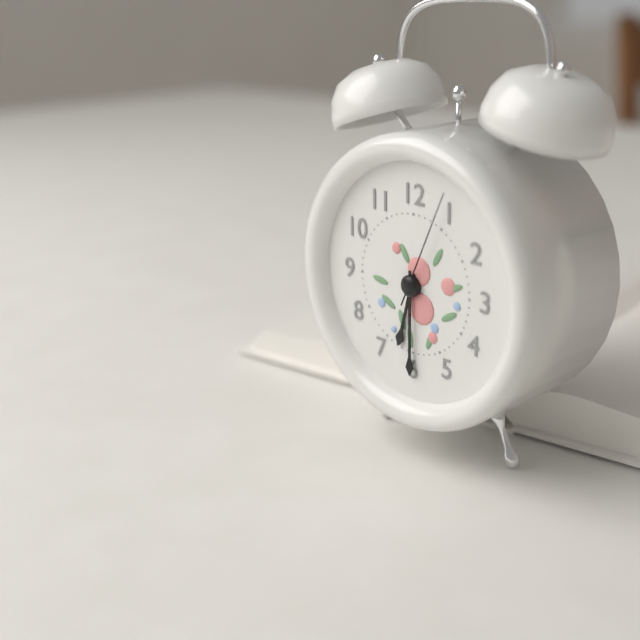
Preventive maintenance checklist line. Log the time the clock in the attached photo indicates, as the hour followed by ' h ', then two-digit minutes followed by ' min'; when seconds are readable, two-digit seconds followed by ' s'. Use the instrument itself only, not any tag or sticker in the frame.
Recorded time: 6 h 30 min 04 s
